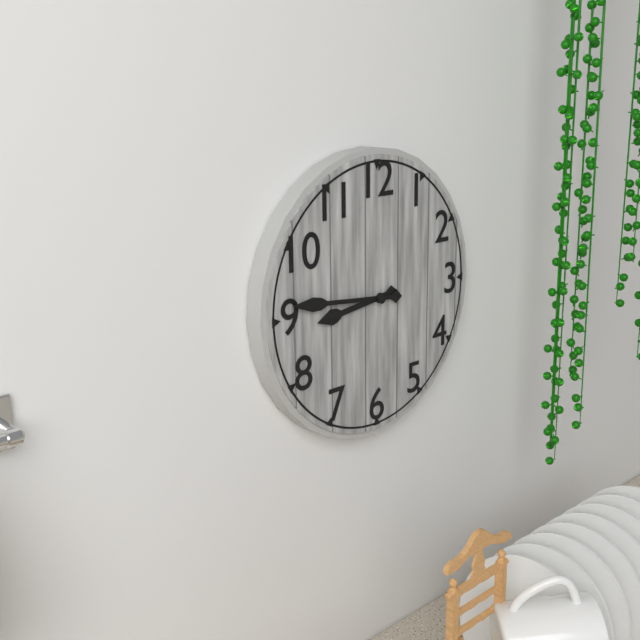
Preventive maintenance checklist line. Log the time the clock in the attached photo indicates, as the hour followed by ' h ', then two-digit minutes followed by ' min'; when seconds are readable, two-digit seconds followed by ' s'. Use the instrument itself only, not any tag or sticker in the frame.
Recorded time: 8 h 46 min
